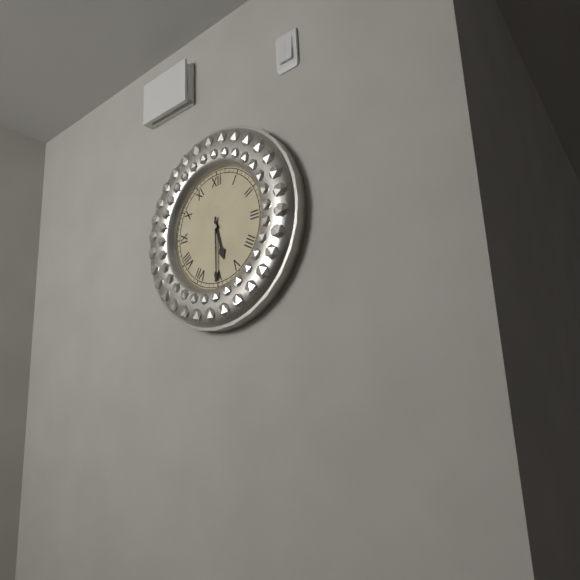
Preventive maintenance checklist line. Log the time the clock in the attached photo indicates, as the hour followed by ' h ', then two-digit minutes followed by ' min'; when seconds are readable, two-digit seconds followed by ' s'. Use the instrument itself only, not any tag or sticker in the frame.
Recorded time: 5 h 30 min
